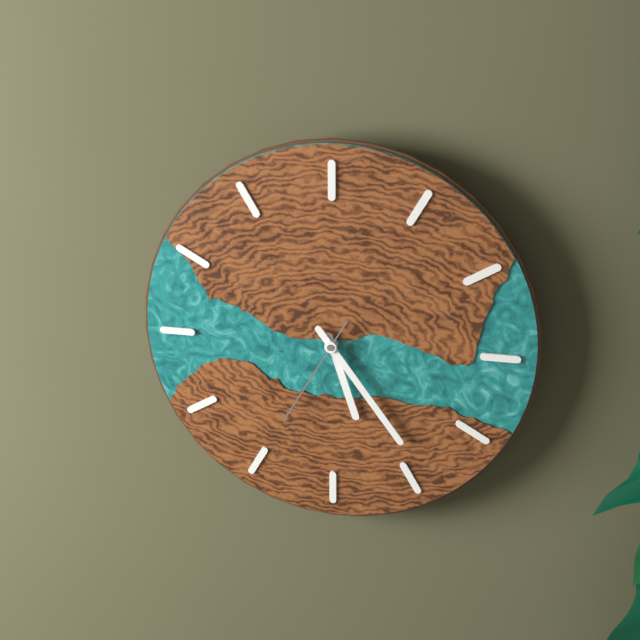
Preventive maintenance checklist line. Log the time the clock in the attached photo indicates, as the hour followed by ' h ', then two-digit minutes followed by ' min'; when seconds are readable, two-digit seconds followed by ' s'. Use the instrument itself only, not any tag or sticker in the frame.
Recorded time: 5 h 24 min 35 s
